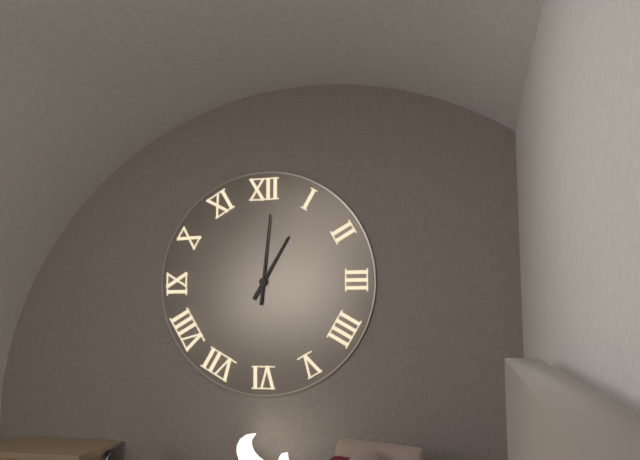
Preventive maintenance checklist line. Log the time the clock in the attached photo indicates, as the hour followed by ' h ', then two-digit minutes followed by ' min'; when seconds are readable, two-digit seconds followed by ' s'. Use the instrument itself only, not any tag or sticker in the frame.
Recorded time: 1 h 01 min
